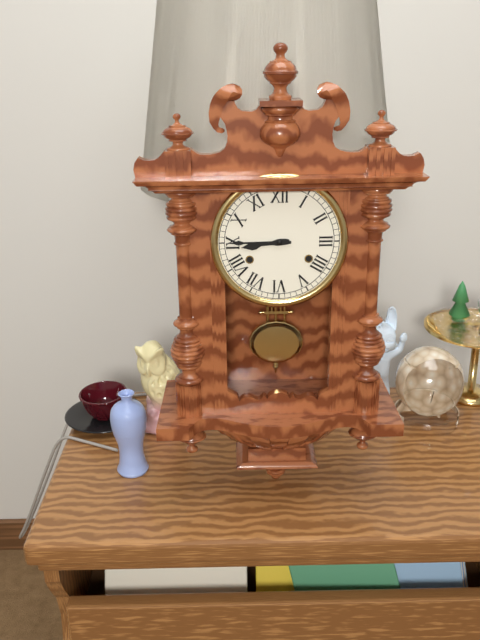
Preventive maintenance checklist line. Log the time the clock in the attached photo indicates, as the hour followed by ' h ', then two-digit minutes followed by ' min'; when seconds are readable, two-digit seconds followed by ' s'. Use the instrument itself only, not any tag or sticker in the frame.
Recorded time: 8 h 45 min
